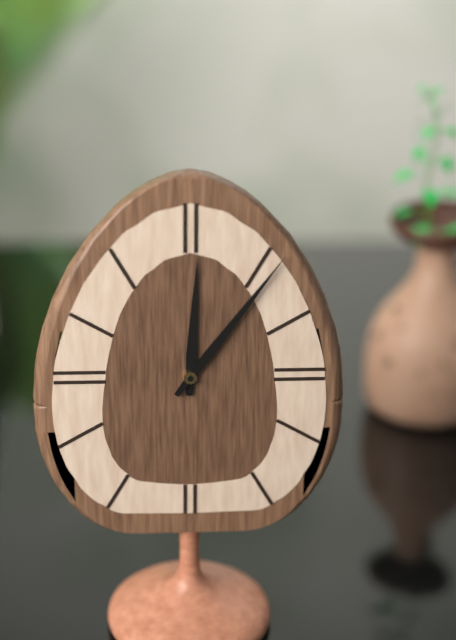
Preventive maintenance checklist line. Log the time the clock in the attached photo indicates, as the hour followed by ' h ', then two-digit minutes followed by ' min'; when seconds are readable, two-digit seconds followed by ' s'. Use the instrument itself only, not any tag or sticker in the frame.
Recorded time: 12 h 06 min
